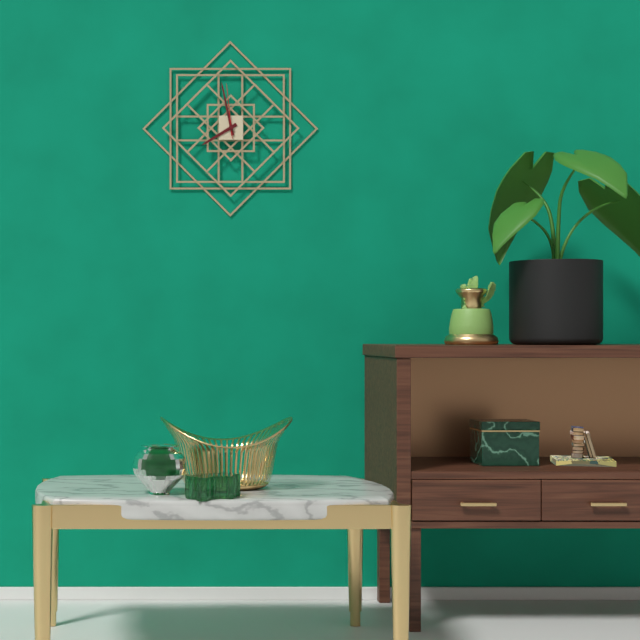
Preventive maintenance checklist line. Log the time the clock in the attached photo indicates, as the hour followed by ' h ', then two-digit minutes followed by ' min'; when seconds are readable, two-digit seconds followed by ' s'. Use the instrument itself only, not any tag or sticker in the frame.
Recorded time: 7 h 58 min 59 s
